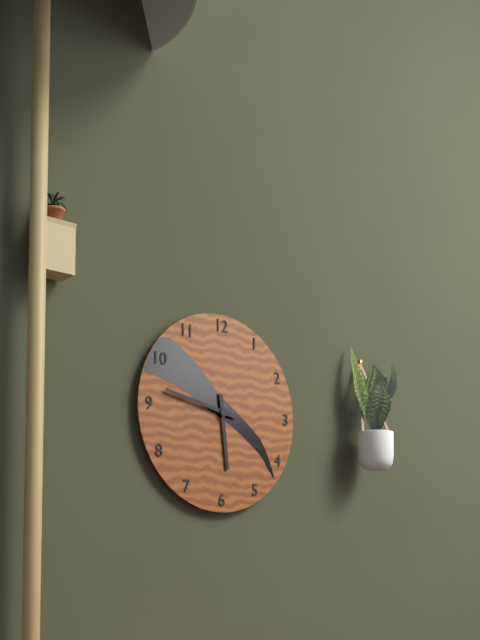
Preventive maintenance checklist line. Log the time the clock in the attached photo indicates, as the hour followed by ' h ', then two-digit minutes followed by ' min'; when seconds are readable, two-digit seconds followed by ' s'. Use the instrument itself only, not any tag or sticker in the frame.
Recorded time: 5 h 47 min
